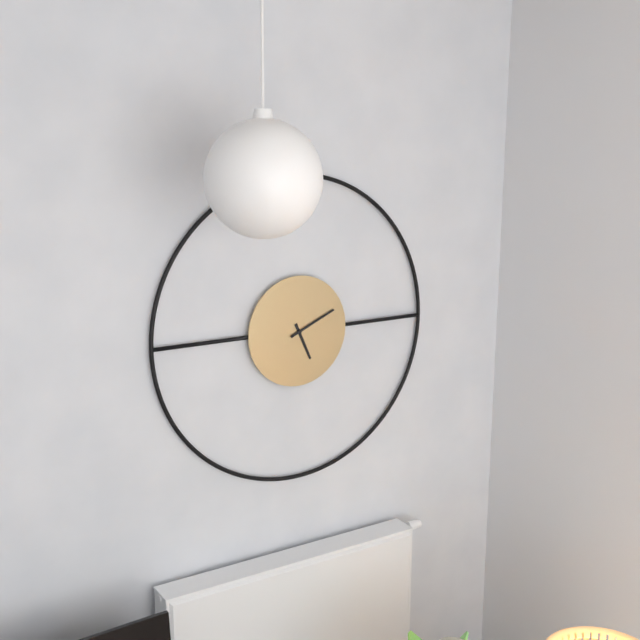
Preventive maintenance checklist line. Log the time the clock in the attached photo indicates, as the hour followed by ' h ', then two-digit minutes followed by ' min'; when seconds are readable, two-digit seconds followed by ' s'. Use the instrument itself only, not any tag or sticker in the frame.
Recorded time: 5 h 11 min
